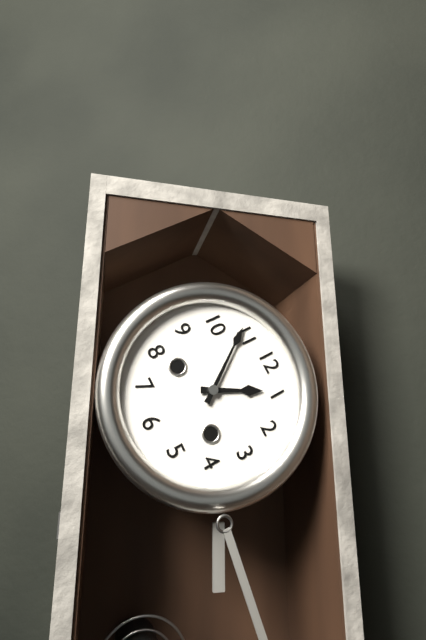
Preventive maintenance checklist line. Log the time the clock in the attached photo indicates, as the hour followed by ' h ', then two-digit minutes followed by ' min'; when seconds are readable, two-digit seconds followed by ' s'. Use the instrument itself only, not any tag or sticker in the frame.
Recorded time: 12 h 54 min
